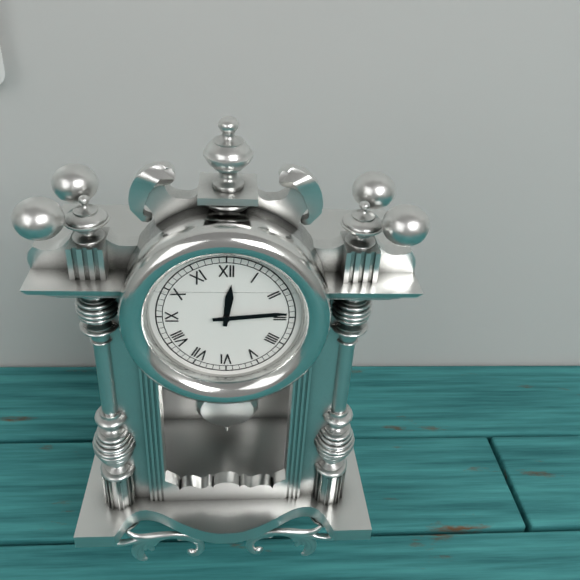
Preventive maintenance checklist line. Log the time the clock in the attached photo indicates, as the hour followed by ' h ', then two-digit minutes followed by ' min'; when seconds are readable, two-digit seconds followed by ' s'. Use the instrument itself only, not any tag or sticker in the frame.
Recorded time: 12 h 14 min
